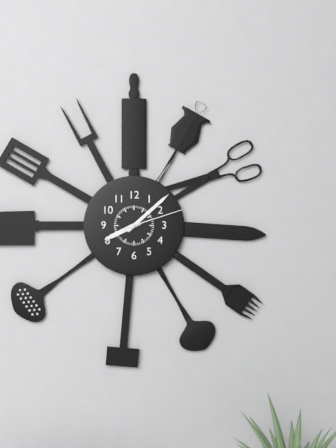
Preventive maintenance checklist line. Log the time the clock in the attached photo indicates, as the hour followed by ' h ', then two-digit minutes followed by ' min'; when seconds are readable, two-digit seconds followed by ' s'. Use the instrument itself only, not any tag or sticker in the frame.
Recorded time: 8 h 08 min 12 s
